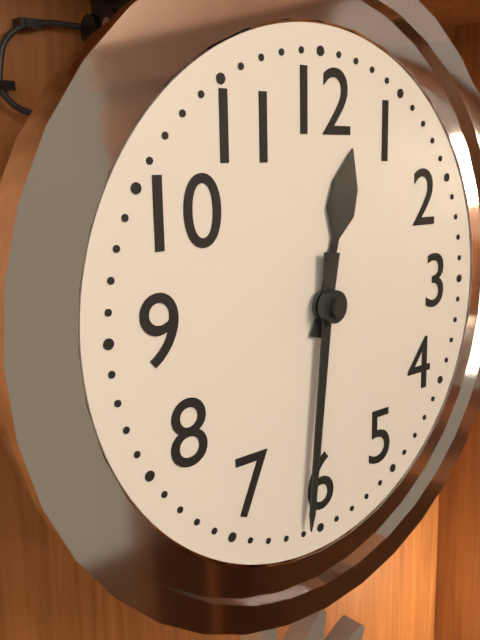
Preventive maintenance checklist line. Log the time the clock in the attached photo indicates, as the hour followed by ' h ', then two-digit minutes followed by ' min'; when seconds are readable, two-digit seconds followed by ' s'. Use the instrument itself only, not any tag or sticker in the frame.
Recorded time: 12 h 31 min
